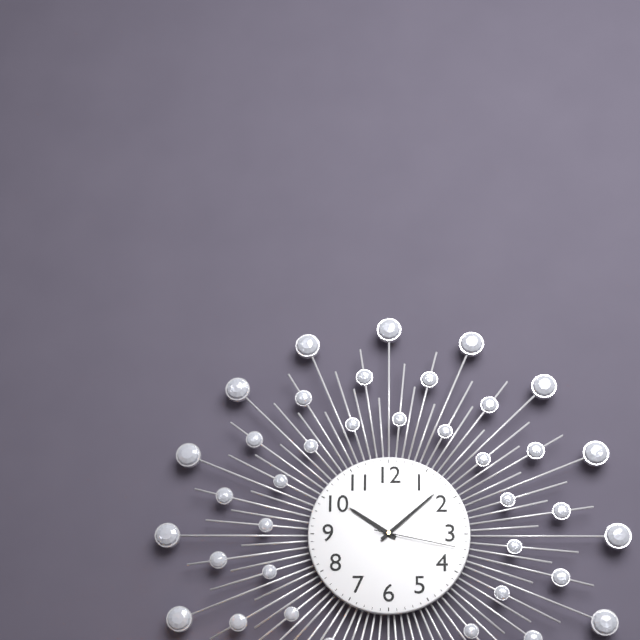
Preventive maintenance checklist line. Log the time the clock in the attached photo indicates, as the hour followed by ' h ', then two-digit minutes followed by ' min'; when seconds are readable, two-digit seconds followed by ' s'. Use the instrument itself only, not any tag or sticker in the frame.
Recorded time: 10 h 08 min 17 s
